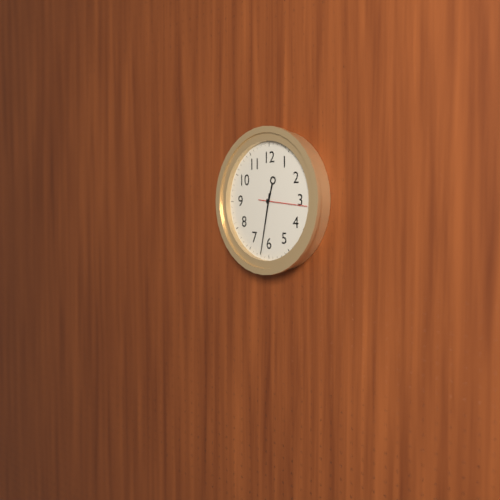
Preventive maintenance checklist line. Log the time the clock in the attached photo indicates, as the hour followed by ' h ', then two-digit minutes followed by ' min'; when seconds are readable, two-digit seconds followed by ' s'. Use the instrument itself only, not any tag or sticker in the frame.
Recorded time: 12 h 32 min
